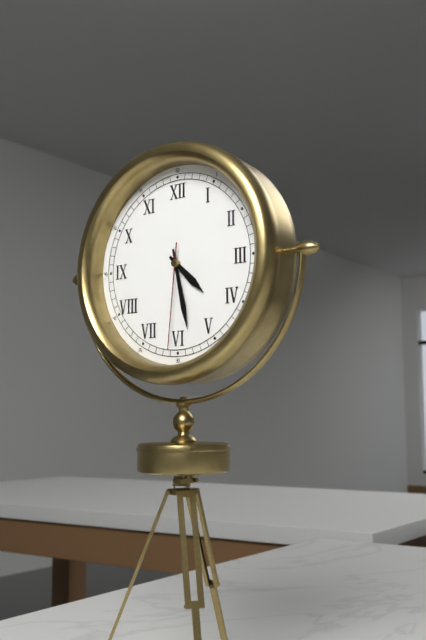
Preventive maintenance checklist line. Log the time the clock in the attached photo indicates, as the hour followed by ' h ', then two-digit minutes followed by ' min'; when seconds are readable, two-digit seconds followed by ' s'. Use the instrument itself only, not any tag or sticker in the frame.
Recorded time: 4 h 28 min 31 s
